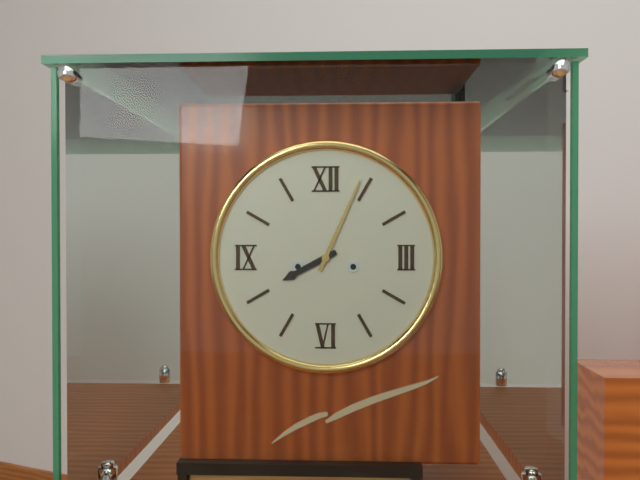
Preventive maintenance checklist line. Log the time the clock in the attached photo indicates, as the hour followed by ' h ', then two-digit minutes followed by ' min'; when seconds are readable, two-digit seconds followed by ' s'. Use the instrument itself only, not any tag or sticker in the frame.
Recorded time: 8 h 04 min
